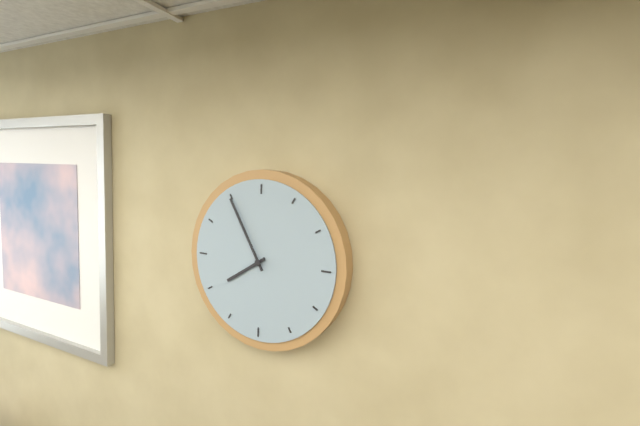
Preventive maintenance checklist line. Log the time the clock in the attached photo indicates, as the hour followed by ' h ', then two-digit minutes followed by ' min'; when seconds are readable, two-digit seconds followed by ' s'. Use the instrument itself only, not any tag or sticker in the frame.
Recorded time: 7 h 55 min
